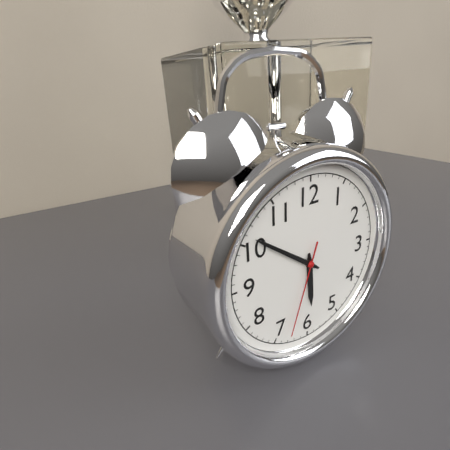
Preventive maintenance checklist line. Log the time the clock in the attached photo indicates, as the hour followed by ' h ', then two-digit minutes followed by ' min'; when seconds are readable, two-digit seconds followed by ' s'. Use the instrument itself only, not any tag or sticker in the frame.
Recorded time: 5 h 51 min 33 s
